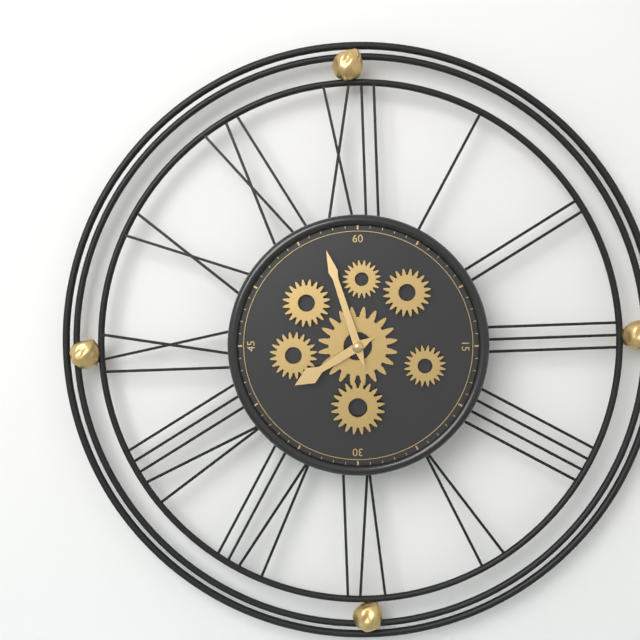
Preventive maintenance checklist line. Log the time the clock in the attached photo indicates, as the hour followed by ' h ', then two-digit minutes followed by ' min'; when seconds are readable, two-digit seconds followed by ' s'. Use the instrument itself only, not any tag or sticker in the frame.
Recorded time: 7 h 57 min
